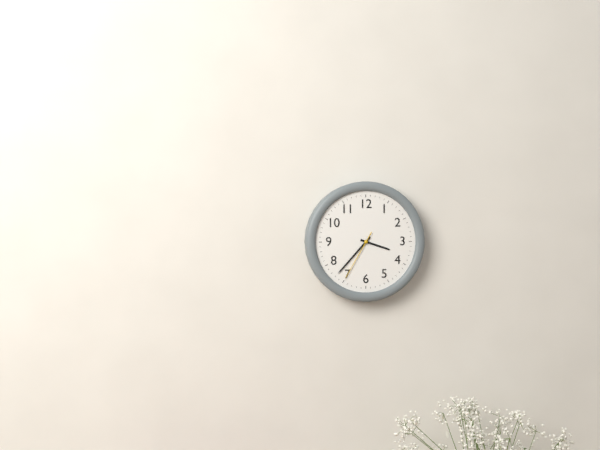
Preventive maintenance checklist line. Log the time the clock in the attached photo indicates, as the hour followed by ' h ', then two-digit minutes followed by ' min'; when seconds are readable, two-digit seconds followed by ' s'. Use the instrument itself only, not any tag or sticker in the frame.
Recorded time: 3 h 37 min 35 s
